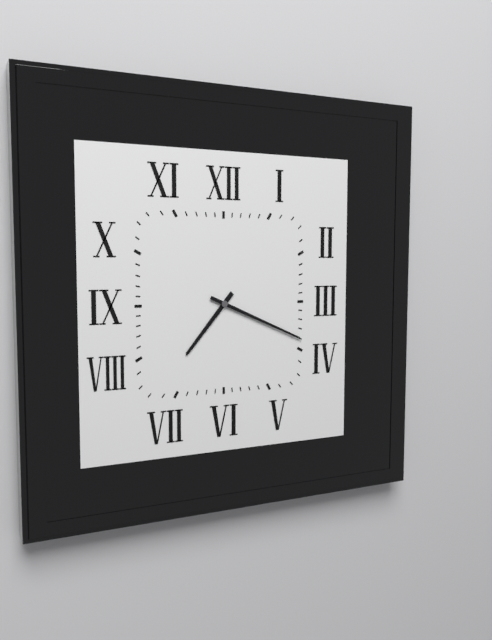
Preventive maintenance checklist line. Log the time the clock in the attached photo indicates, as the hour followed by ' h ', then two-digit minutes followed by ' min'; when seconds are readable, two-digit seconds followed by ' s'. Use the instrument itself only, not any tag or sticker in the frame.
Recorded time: 7 h 19 min
